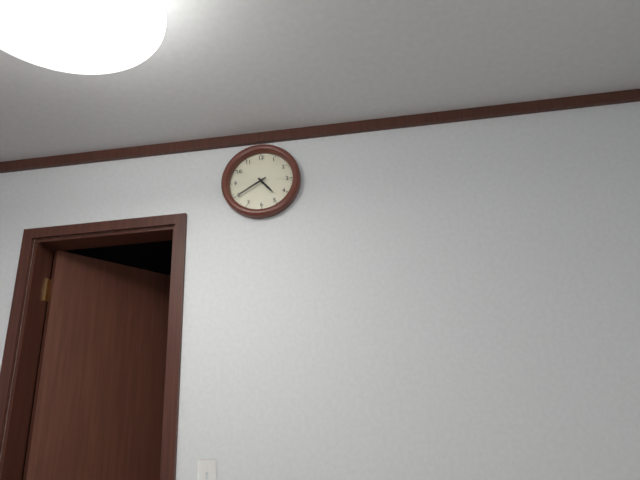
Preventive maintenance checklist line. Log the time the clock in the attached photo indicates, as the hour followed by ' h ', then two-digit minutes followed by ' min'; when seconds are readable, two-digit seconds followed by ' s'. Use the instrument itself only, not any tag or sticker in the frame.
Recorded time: 4 h 40 min
